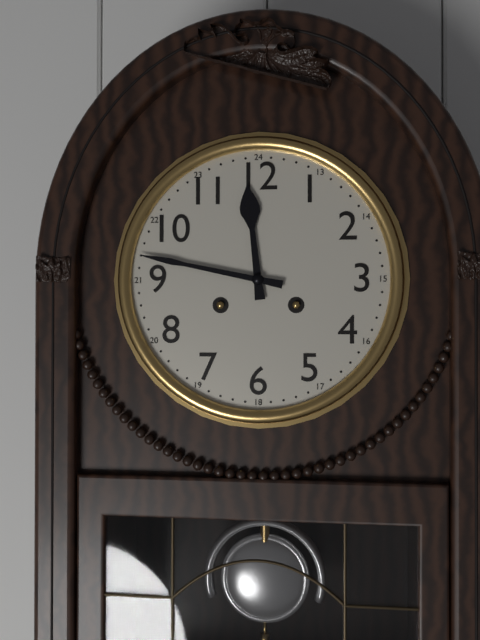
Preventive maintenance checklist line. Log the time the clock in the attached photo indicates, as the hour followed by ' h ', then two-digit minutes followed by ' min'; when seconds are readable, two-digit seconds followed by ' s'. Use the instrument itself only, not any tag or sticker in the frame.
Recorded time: 11 h 47 min
